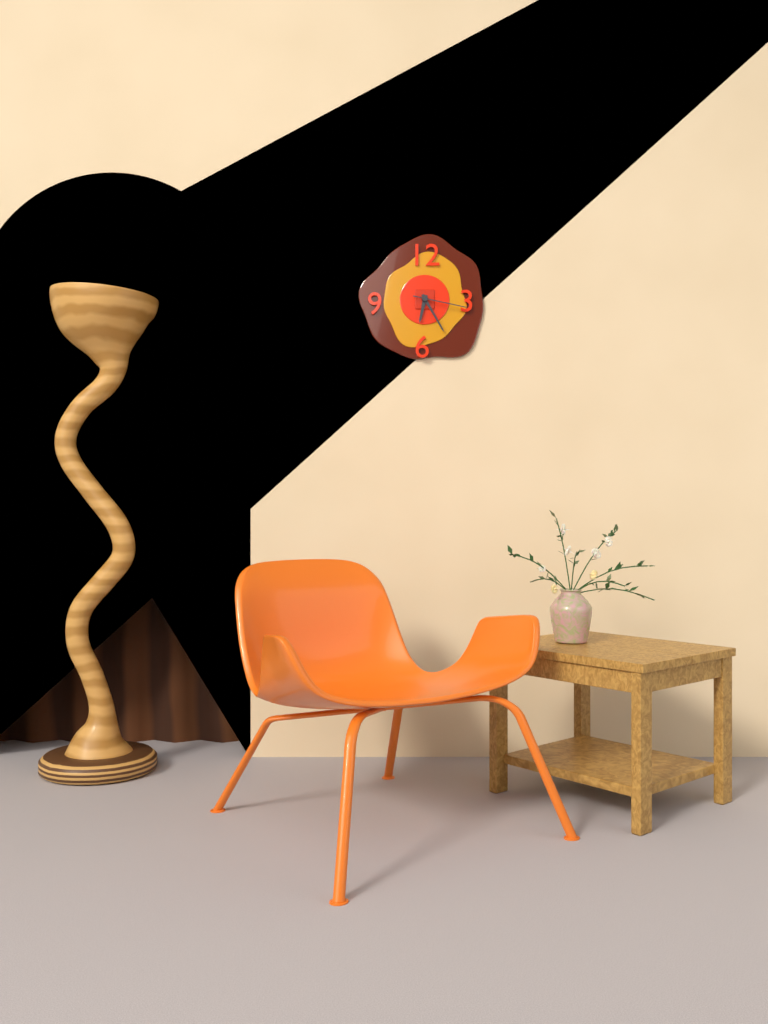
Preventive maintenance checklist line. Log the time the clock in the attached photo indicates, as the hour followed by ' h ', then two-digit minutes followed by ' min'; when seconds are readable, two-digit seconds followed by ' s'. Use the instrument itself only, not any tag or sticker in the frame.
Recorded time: 6 h 25 min 17 s
